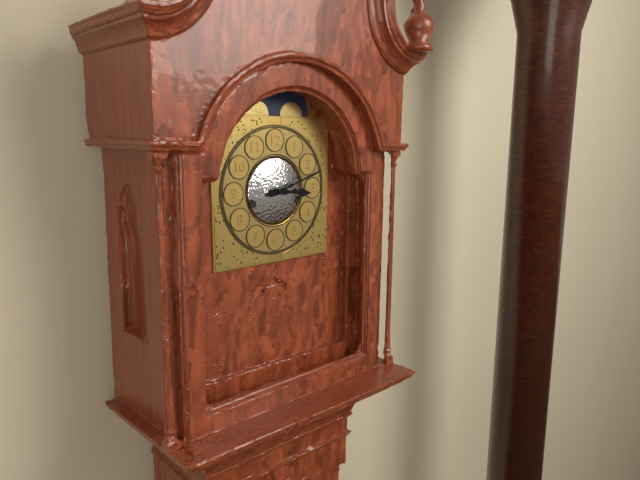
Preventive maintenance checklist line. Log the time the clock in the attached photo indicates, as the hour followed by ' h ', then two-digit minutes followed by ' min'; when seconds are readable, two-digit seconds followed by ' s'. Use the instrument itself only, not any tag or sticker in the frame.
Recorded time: 3 h 12 min
